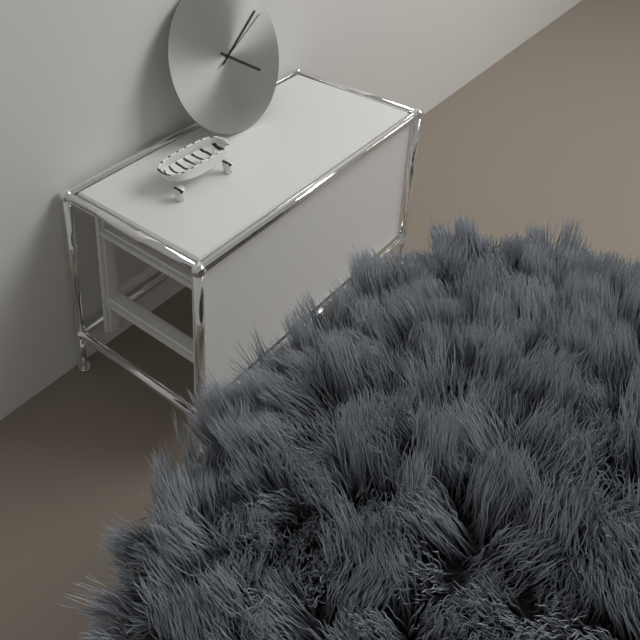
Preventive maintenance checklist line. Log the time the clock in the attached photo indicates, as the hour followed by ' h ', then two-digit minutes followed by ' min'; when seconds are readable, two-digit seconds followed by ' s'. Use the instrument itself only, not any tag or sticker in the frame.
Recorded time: 4 h 10 min 11 s
